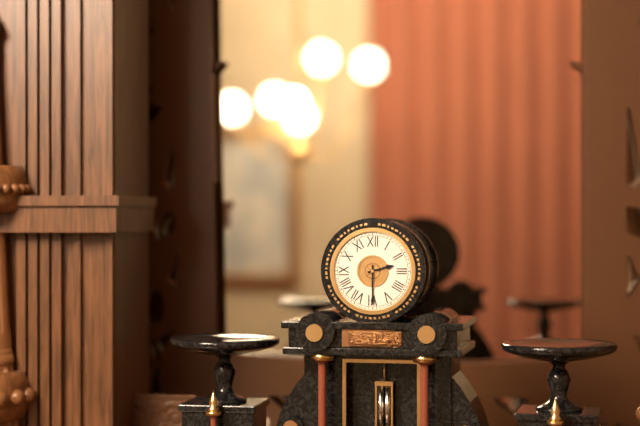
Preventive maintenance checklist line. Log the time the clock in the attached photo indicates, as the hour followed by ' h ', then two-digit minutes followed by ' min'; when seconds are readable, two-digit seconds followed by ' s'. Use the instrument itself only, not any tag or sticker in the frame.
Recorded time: 2 h 30 min
